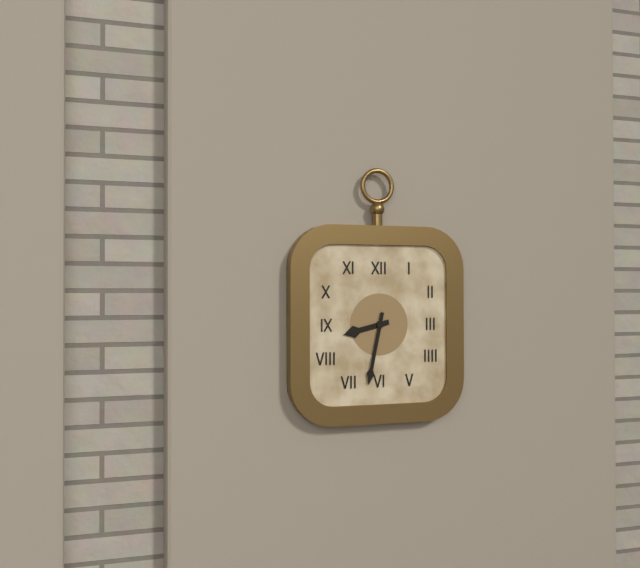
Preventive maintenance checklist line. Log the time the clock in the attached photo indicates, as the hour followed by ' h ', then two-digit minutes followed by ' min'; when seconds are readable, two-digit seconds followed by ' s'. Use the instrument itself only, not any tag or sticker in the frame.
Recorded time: 8 h 32 min
